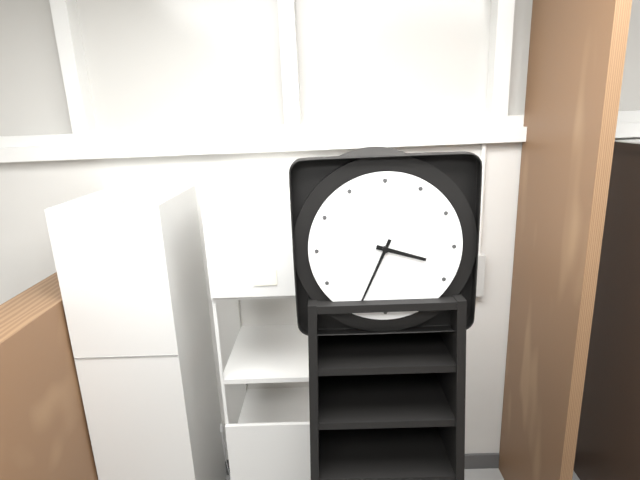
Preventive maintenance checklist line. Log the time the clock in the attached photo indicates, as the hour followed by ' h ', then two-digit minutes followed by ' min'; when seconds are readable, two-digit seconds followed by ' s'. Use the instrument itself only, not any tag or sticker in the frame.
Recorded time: 3 h 34 min
